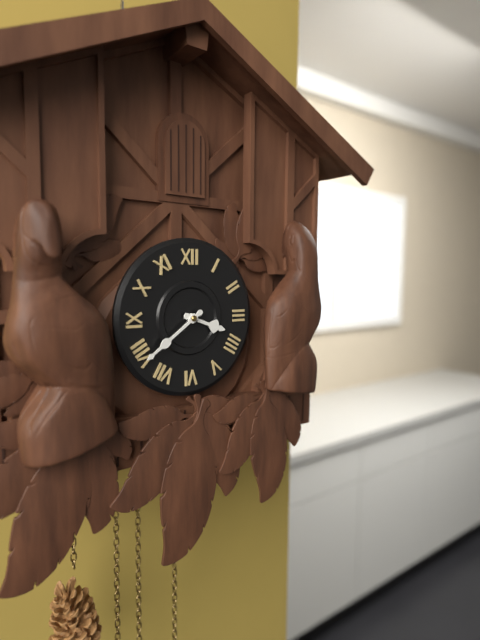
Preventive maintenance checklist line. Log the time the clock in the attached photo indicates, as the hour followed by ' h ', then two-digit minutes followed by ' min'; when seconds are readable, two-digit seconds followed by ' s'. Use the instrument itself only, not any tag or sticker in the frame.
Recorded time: 3 h 39 min
